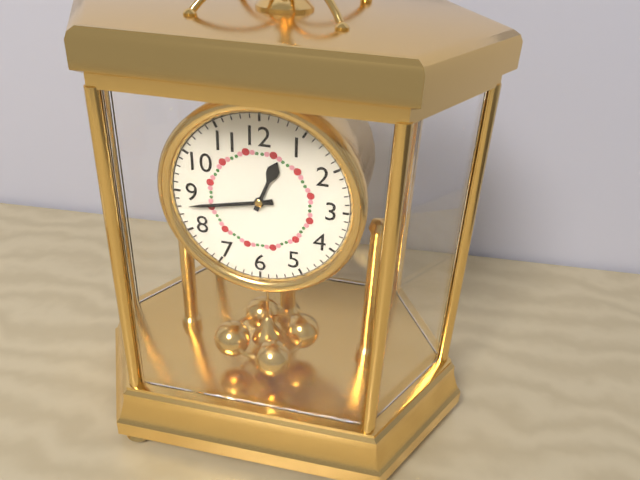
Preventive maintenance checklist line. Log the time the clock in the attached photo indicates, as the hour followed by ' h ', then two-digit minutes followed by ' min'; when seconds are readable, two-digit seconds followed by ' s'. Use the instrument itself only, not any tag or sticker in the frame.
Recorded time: 12 h 43 min
